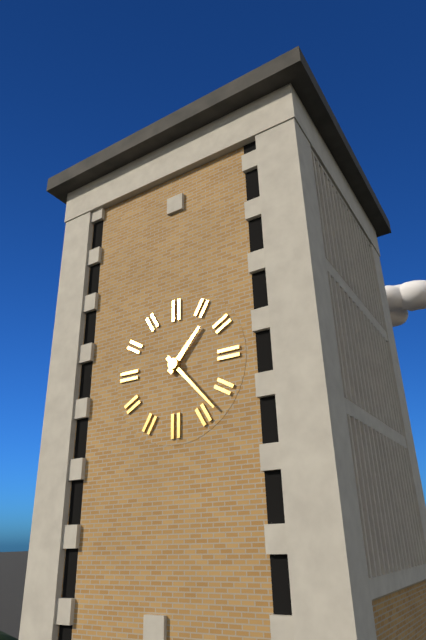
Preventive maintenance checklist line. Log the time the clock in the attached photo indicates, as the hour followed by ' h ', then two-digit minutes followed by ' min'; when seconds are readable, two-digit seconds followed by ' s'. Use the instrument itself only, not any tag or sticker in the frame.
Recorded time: 1 h 23 min
